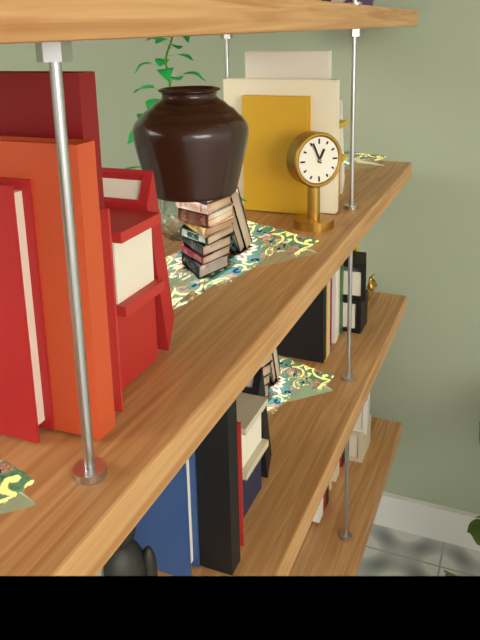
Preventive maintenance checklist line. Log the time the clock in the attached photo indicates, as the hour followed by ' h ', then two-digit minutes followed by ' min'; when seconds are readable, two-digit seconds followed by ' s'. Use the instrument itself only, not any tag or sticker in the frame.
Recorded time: 12 h 56 min
